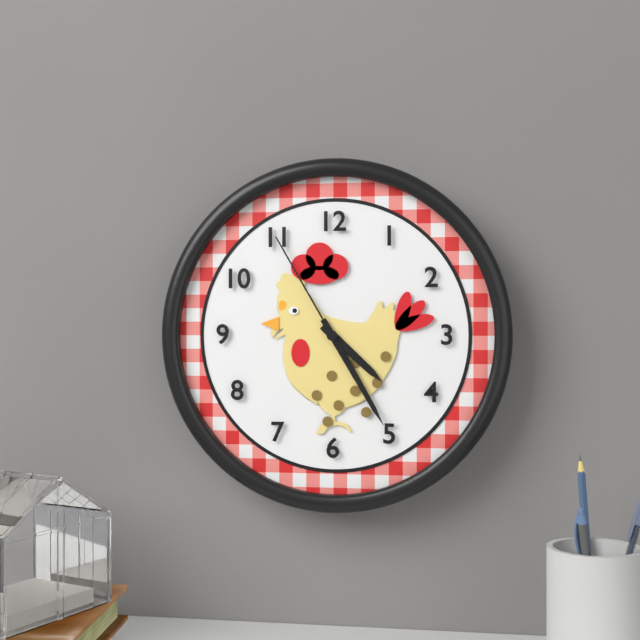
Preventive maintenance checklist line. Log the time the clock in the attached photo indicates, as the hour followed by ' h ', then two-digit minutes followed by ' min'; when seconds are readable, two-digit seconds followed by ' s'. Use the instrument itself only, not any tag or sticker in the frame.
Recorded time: 4 h 25 min 55 s
